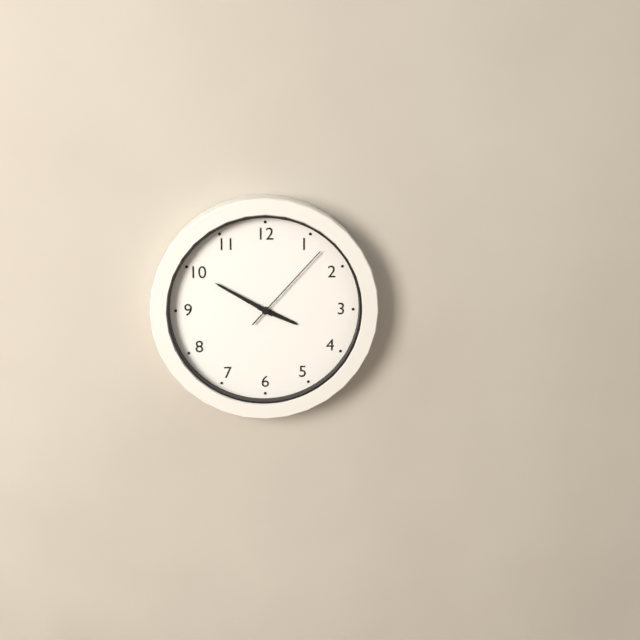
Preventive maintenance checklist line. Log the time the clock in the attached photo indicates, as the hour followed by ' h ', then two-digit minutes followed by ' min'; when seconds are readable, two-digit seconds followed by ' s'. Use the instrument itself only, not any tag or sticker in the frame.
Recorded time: 3 h 50 min 07 s
